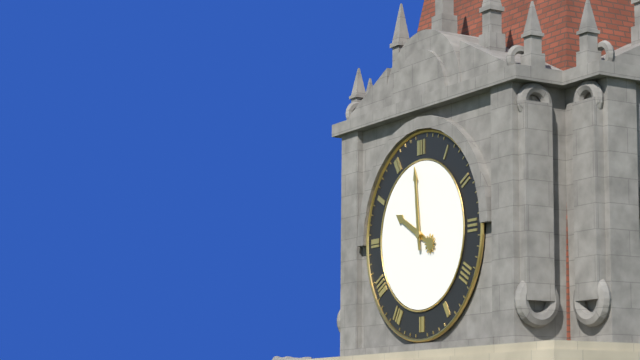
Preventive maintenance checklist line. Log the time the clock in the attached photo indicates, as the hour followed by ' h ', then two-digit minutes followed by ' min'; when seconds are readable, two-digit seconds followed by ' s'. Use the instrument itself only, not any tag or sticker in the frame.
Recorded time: 9 h 59 min
